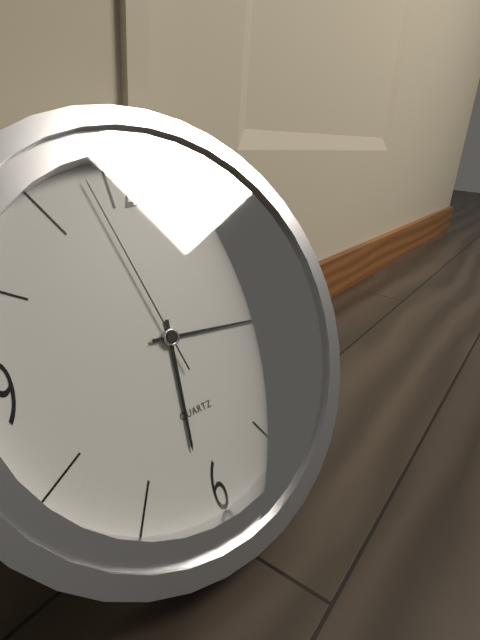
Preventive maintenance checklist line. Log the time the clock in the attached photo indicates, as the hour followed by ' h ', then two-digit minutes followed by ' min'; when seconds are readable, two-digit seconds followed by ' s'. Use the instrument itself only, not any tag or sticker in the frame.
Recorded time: 6 h 16 min 58 s
